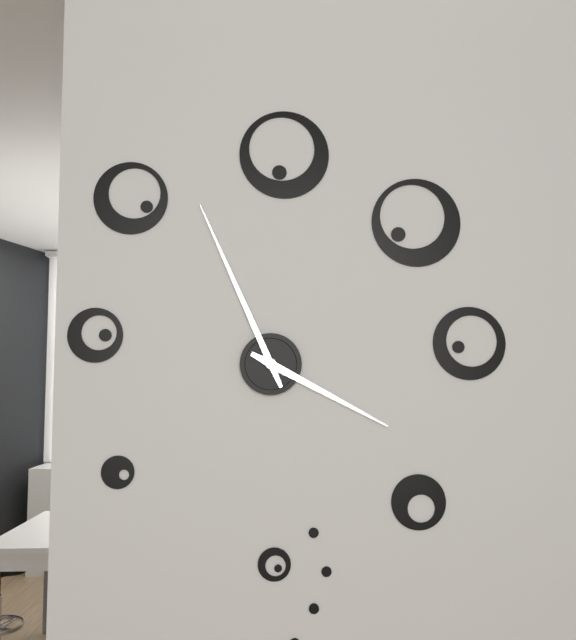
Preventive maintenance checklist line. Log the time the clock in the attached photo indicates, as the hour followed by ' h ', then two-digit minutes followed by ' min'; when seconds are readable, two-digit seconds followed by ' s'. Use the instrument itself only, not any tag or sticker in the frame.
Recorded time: 3 h 56 min
